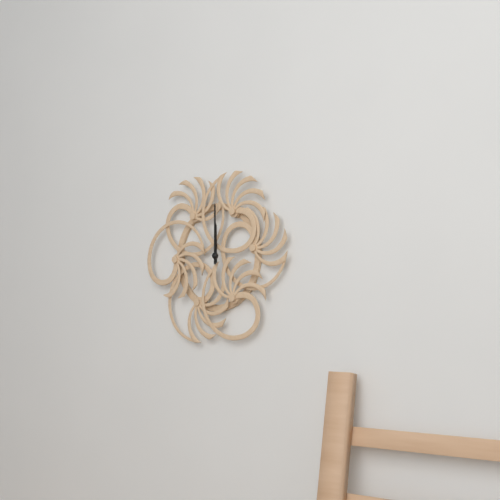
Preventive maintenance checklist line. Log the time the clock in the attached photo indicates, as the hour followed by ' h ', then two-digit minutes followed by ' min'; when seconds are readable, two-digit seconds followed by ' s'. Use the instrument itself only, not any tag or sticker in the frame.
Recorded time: 12 h 00 min
